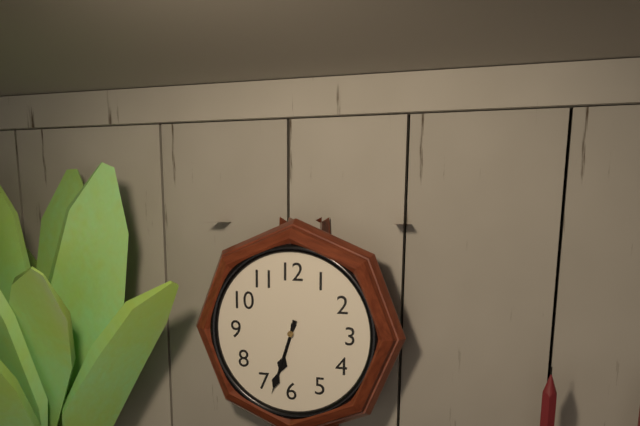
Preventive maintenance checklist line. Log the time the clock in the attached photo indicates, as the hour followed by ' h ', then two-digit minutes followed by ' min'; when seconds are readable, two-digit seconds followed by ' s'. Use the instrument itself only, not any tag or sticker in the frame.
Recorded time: 6 h 33 min
